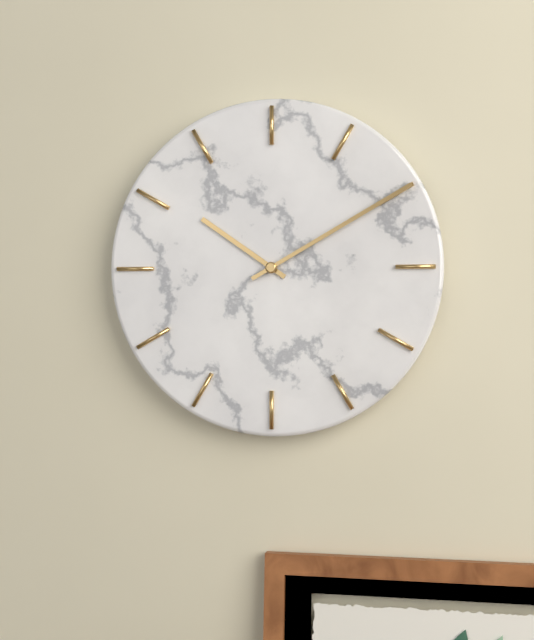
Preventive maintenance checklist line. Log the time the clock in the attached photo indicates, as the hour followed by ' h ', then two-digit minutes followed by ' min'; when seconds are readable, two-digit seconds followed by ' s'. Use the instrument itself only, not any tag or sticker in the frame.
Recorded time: 10 h 10 min
